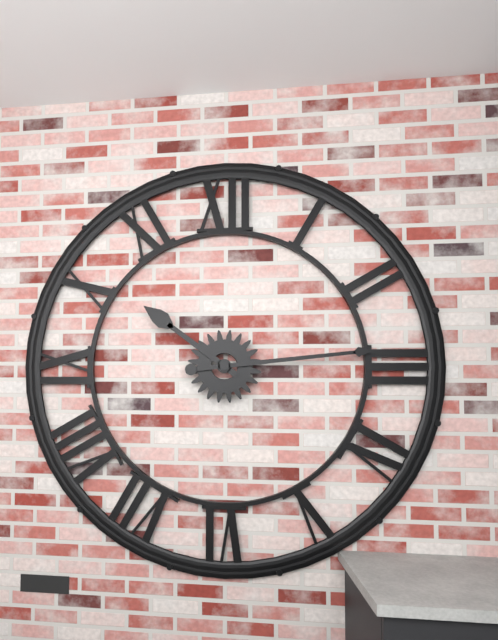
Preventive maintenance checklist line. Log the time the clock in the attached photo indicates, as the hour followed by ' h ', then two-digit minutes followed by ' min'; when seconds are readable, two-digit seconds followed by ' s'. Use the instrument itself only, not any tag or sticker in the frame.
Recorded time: 10 h 14 min
